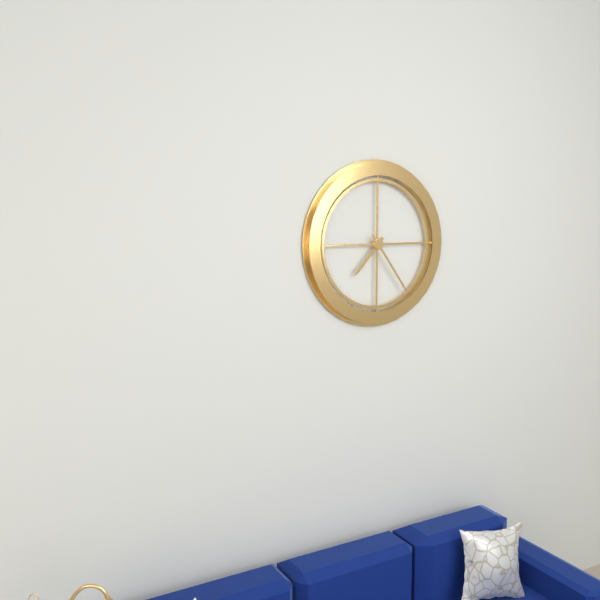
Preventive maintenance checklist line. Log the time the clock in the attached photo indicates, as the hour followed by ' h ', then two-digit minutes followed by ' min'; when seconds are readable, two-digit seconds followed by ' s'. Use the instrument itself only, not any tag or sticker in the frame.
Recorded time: 7 h 24 min
